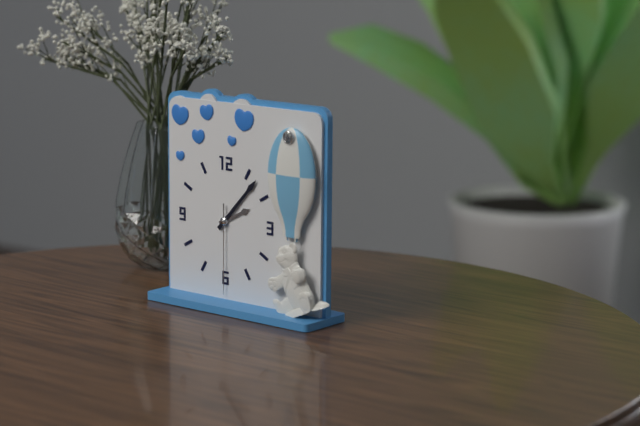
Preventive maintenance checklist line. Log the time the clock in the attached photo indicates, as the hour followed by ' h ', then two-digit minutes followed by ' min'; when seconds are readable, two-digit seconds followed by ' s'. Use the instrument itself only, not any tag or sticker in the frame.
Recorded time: 2 h 07 min 30 s
